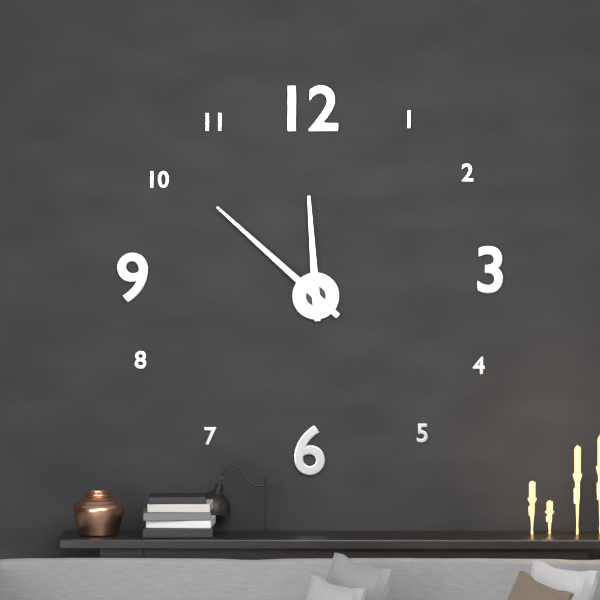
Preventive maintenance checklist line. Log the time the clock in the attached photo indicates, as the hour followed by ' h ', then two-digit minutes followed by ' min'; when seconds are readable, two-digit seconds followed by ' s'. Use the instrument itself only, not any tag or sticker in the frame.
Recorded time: 11 h 52 min
